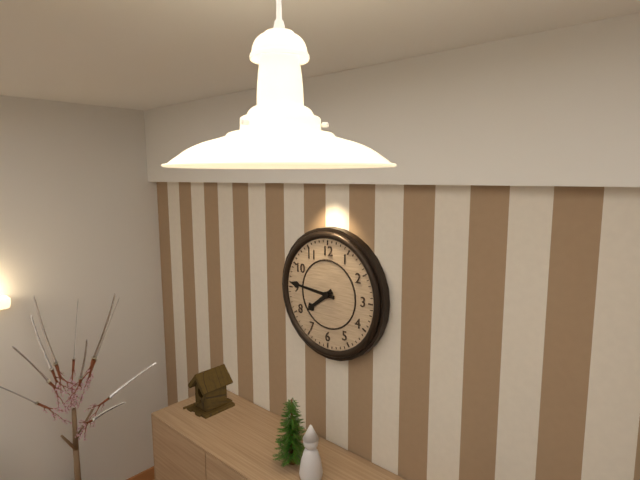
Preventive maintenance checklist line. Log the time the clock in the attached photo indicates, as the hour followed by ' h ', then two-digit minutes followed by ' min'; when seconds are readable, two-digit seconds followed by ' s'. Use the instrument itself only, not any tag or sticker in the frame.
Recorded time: 7 h 46 min
